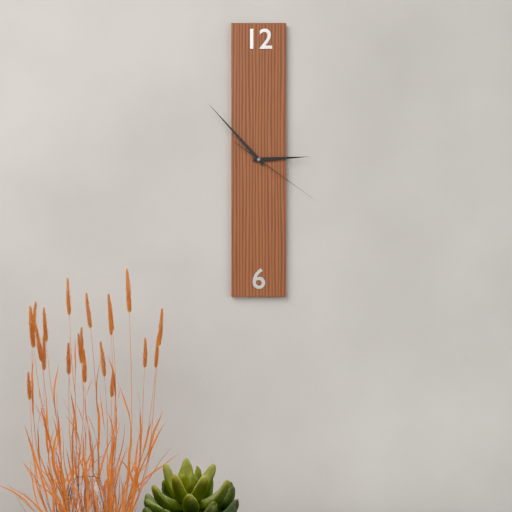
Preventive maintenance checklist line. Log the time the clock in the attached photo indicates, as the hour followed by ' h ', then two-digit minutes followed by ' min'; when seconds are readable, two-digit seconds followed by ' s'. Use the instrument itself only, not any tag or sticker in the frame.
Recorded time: 2 h 53 min 21 s
